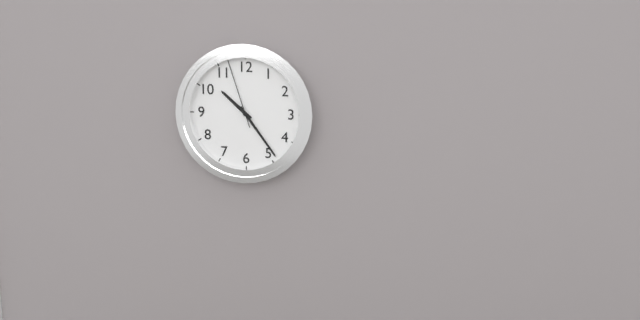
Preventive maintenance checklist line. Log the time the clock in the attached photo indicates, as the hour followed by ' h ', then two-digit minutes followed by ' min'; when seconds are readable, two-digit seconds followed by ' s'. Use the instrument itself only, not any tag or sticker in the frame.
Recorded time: 10 h 24 min 57 s
